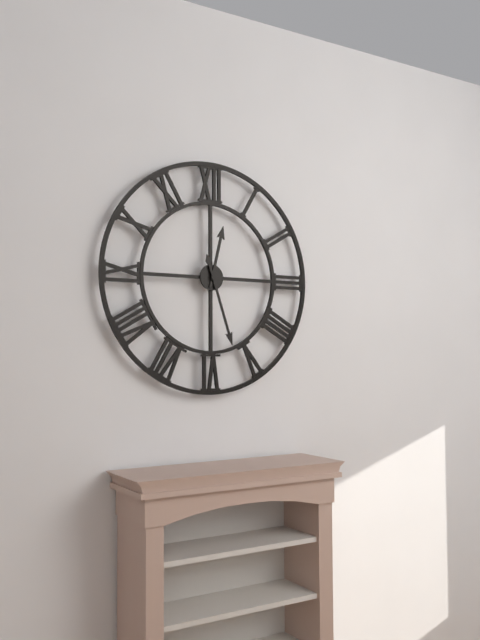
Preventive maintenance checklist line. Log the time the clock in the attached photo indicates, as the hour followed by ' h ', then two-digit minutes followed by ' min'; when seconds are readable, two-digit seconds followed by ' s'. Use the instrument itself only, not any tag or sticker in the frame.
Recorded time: 12 h 27 min
